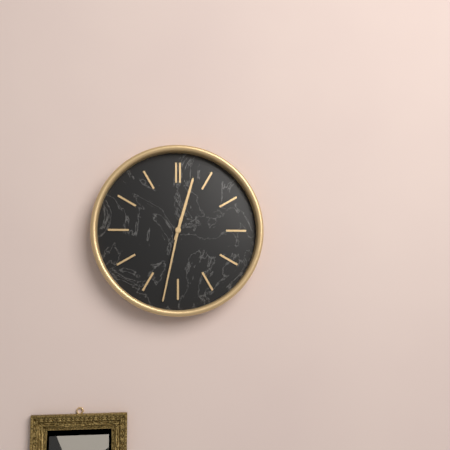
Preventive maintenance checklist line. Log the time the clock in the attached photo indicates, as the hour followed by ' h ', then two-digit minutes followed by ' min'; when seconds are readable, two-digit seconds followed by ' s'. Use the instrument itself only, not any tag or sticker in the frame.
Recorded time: 12 h 32 min
